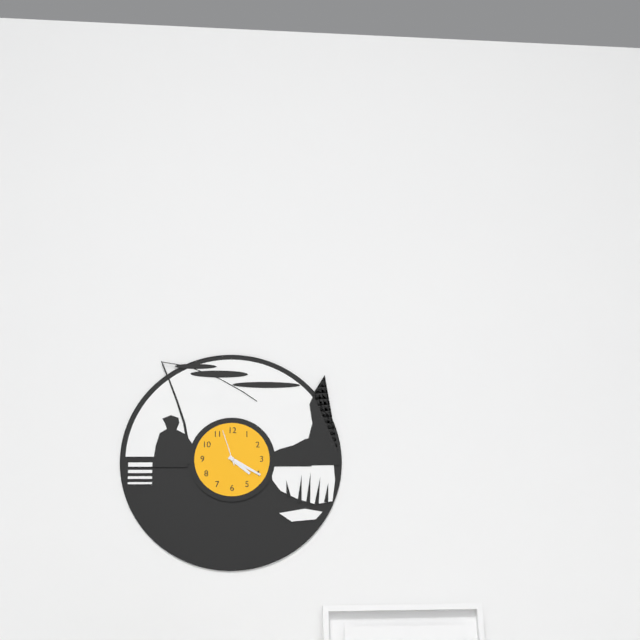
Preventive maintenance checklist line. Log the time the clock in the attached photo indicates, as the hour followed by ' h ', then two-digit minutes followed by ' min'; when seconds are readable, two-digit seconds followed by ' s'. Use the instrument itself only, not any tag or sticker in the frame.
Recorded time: 4 h 20 min
